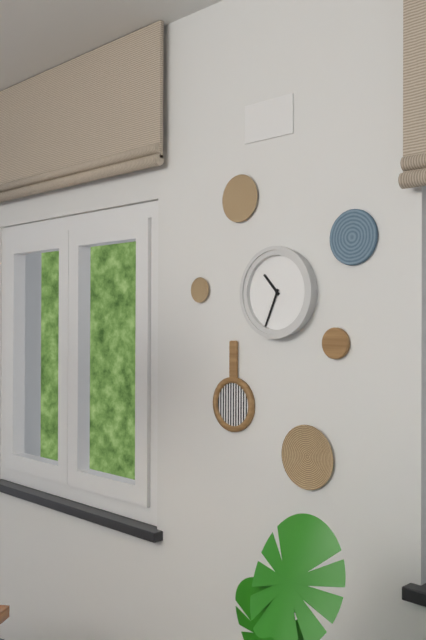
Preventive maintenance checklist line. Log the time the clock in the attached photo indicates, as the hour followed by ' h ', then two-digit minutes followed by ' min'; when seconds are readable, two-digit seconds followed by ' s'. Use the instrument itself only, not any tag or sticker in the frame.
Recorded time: 10 h 34 min
